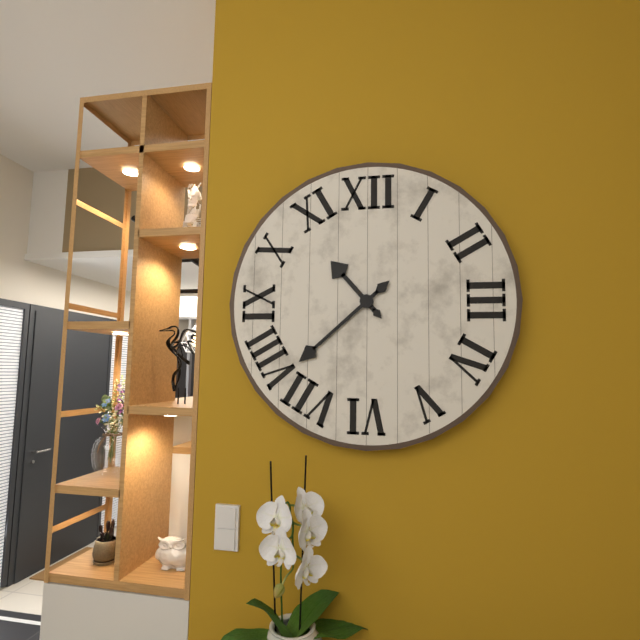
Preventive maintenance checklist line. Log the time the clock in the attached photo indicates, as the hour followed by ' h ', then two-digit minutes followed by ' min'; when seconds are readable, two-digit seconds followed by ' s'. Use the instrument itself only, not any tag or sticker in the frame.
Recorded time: 10 h 38 min
